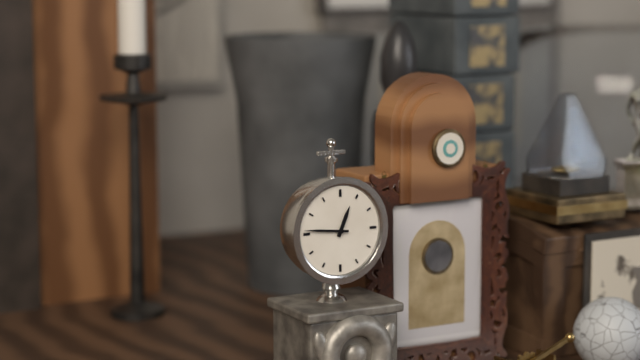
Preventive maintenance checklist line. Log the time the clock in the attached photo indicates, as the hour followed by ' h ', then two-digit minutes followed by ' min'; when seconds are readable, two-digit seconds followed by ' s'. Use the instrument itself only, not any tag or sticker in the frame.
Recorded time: 12 h 46 min
